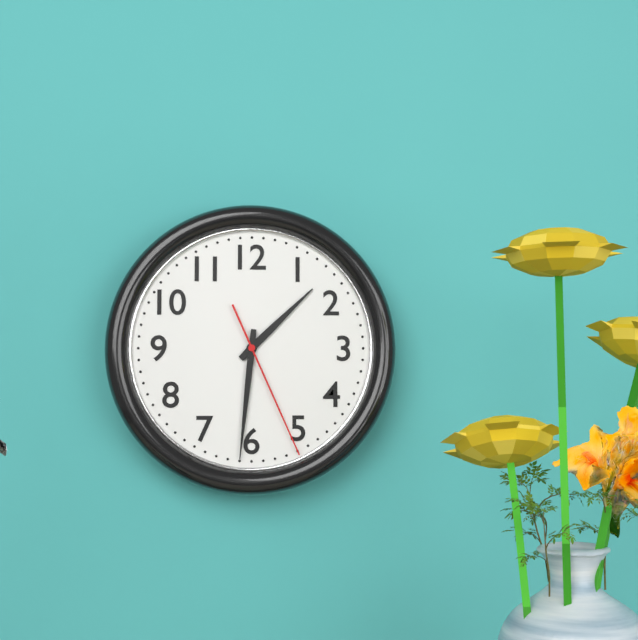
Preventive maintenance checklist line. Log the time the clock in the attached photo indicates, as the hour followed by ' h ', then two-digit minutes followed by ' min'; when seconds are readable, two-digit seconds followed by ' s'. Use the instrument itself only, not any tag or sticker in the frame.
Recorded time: 1 h 31 min 26 s
